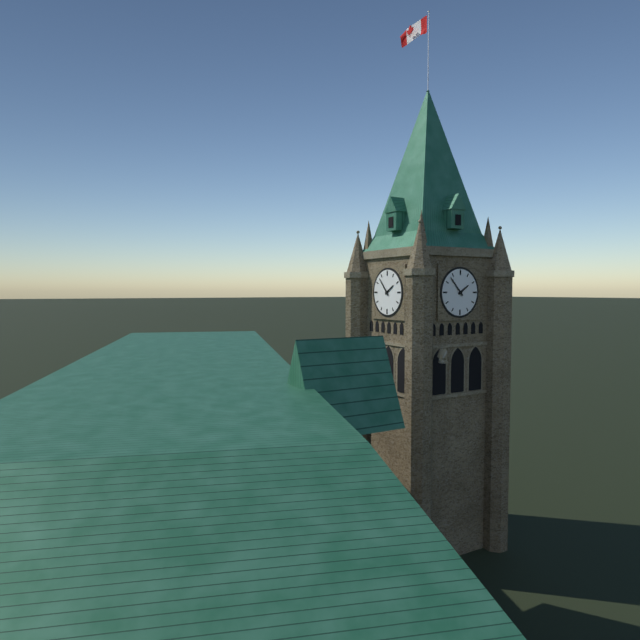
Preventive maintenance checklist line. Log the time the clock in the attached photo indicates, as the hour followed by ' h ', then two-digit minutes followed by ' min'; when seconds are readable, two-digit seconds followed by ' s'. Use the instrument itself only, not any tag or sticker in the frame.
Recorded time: 1 h 53 min
